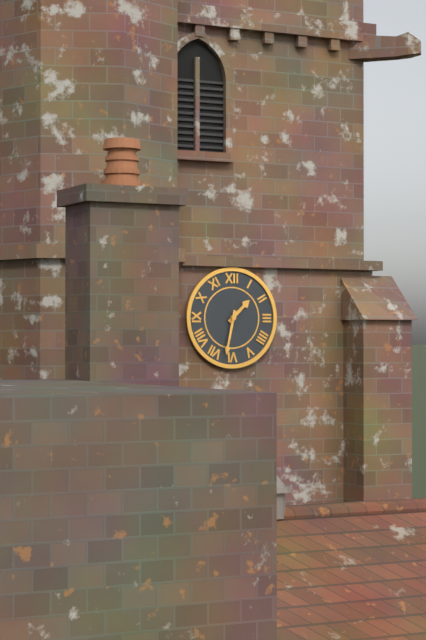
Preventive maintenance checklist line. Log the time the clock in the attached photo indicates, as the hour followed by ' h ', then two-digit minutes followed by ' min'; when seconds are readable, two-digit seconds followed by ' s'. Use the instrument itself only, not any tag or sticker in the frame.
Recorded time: 1 h 32 min
